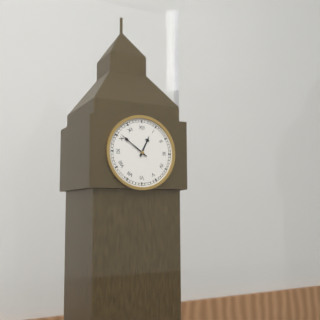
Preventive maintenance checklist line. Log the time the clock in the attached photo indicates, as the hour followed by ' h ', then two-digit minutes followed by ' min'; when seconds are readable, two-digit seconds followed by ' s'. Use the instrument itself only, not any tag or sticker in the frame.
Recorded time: 12 h 51 min
